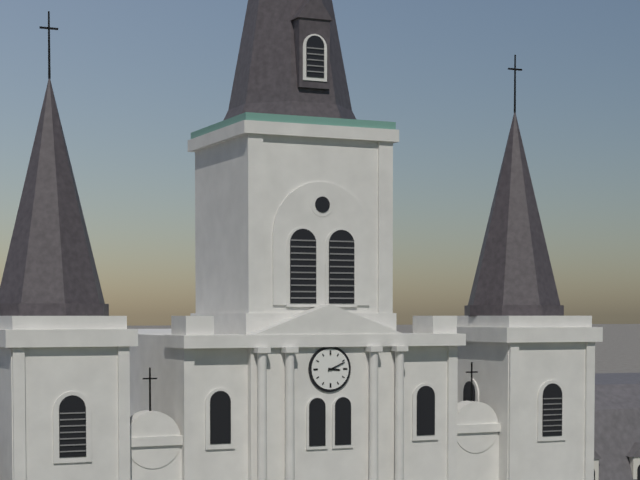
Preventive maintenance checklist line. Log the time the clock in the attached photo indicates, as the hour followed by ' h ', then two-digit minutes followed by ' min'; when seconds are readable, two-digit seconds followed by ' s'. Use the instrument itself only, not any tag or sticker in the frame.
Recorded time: 3 h 11 min
